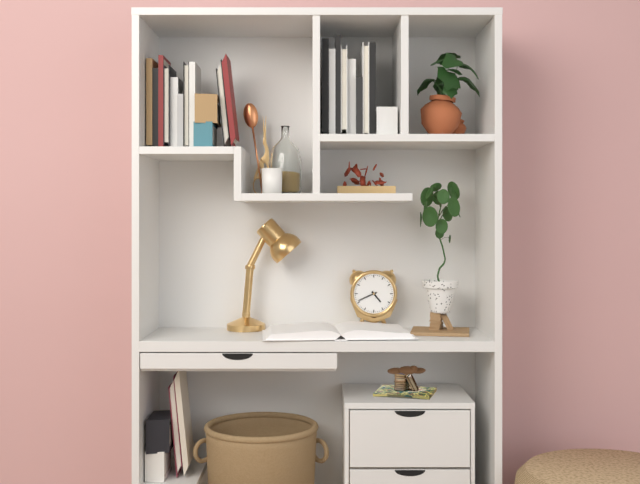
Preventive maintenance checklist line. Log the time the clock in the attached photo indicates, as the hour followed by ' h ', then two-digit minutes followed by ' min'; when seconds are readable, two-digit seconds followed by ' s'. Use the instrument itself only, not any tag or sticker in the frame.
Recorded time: 4 h 41 min
